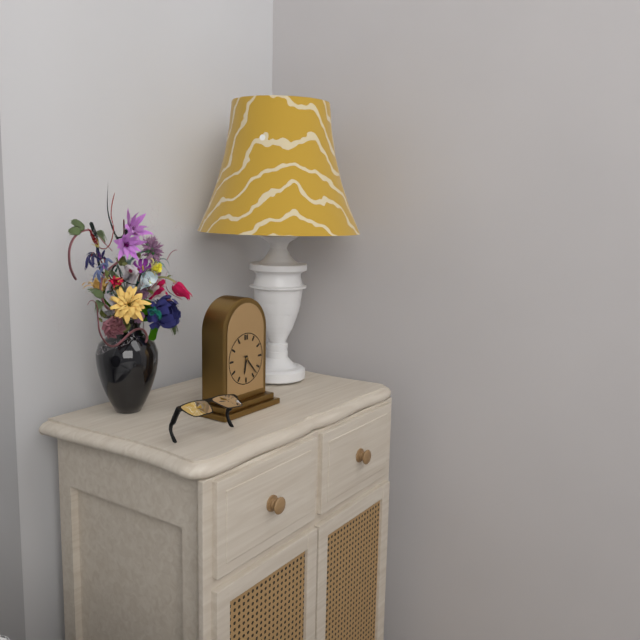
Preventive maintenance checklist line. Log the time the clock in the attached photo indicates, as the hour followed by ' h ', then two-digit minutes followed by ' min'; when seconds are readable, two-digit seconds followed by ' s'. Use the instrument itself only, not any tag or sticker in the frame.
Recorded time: 6 h 23 min
